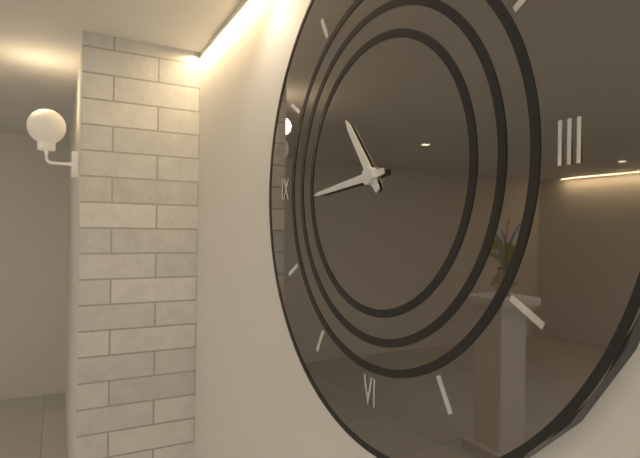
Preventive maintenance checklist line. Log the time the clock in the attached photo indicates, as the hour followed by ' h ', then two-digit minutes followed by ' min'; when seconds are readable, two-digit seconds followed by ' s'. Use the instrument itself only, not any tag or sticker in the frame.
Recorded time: 10 h 44 min
